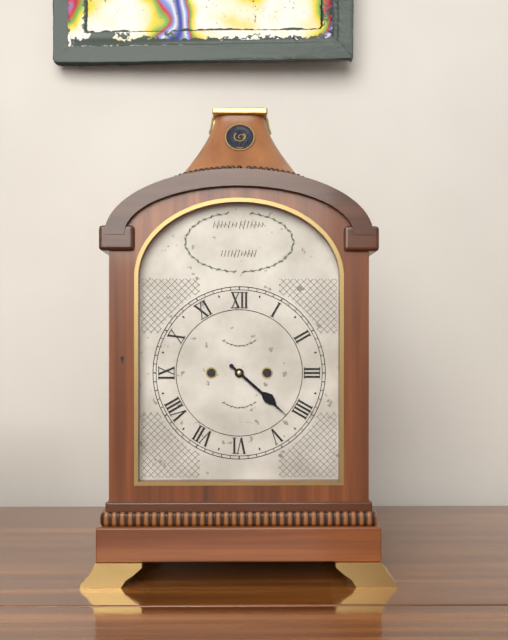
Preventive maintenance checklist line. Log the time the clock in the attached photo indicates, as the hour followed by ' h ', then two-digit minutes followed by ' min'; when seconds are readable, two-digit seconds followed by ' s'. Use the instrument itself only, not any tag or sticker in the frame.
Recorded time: 4 h 22 min
